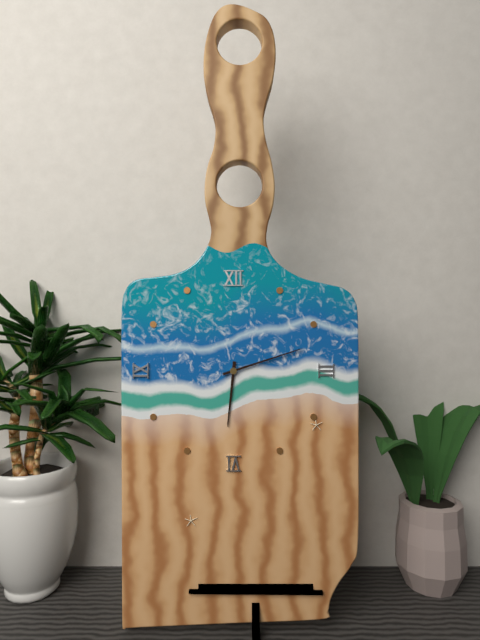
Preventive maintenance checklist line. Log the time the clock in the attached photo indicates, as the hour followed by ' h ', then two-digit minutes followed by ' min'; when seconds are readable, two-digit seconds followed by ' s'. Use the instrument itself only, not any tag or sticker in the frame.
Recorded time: 6 h 12 min
